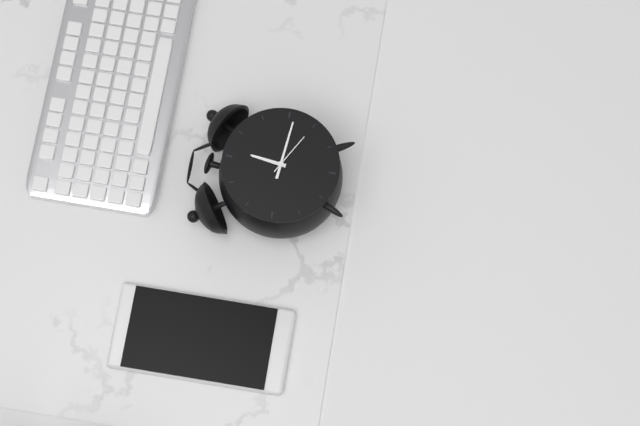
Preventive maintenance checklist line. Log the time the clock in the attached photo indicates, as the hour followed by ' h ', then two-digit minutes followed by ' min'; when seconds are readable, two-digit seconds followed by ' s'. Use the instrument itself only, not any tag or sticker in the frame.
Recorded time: 12 h 16 min
